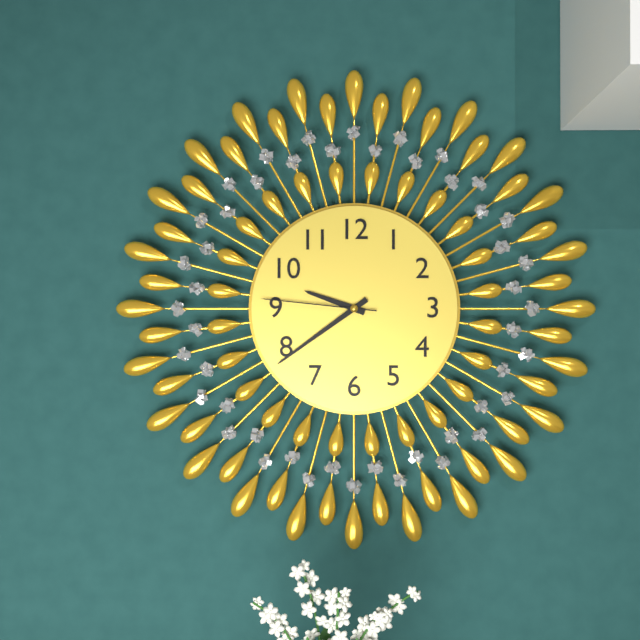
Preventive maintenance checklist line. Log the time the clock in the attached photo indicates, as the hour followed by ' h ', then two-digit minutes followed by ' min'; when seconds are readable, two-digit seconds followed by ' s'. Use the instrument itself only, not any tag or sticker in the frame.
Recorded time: 9 h 39 min 46 s
